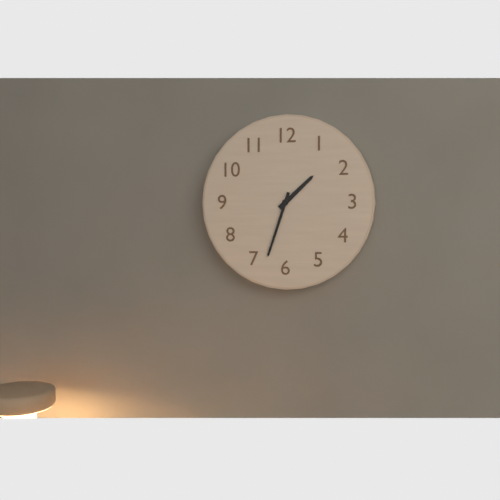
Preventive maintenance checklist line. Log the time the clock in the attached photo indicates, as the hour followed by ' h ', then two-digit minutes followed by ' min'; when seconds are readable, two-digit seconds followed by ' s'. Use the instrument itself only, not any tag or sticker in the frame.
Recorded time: 1 h 33 min
